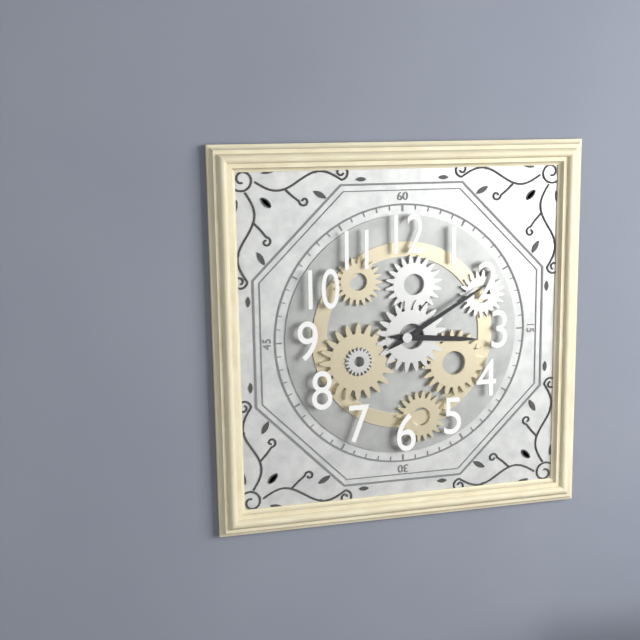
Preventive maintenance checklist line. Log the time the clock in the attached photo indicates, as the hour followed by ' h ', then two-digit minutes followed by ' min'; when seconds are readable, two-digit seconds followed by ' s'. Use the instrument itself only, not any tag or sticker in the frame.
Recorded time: 3 h 10 min
